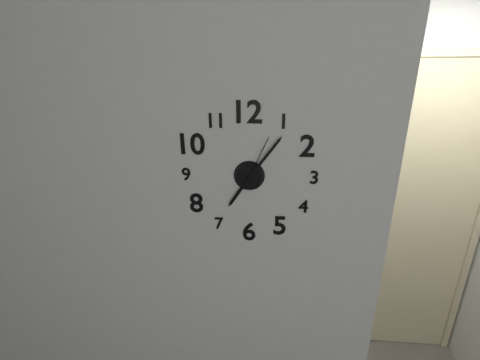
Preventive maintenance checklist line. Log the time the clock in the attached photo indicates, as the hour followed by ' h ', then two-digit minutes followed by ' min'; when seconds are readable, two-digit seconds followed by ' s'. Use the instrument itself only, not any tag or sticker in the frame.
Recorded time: 7 h 06 min 04 s
